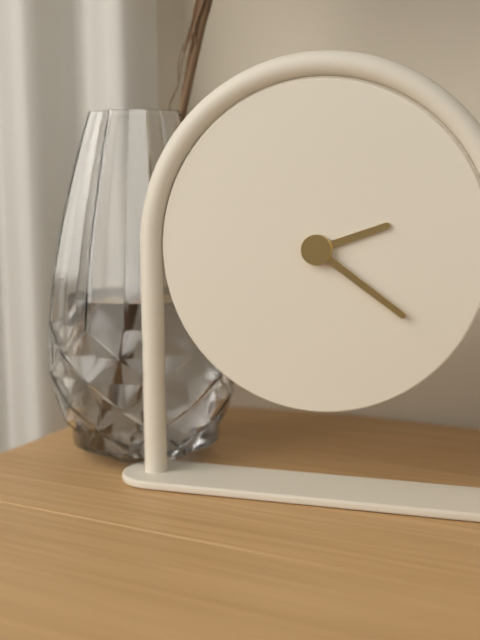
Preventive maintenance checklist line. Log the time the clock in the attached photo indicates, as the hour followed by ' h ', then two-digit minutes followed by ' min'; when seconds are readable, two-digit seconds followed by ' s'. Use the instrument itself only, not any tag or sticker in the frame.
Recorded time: 2 h 21 min
